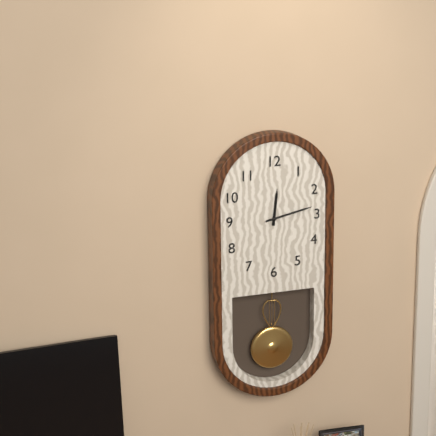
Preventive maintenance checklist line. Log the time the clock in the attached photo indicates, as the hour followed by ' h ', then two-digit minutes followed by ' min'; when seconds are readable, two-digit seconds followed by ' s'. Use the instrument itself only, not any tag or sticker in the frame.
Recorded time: 12 h 13 min
